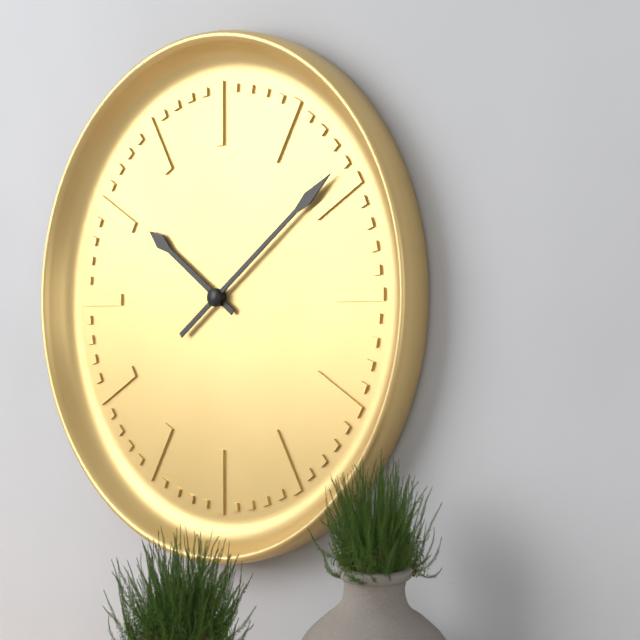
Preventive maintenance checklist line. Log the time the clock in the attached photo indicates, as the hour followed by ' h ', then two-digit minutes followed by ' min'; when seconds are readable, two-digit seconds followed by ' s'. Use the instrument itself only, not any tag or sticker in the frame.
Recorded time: 10 h 09 min
